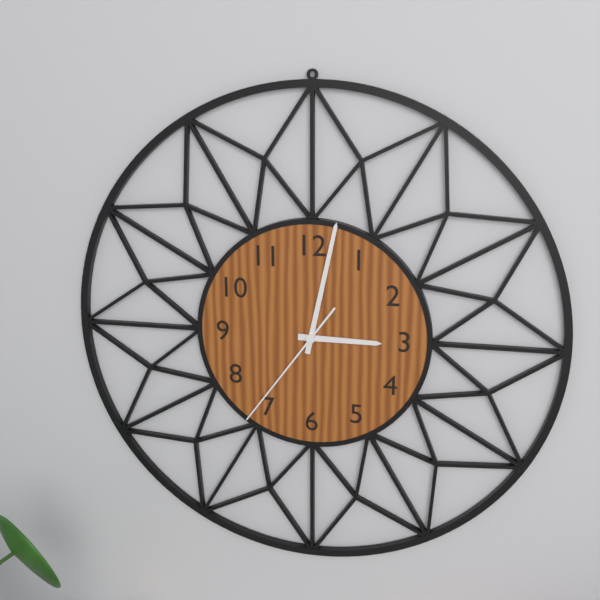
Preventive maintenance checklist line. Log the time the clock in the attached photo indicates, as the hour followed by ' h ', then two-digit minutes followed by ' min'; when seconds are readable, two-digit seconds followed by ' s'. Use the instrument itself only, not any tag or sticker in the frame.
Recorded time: 3 h 02 min 36 s
